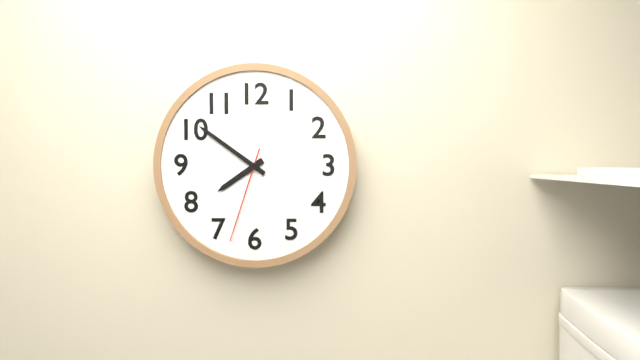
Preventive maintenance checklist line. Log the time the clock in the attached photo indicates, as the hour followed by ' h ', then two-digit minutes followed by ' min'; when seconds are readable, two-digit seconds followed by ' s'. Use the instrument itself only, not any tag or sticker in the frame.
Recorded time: 7 h 51 min 33 s
